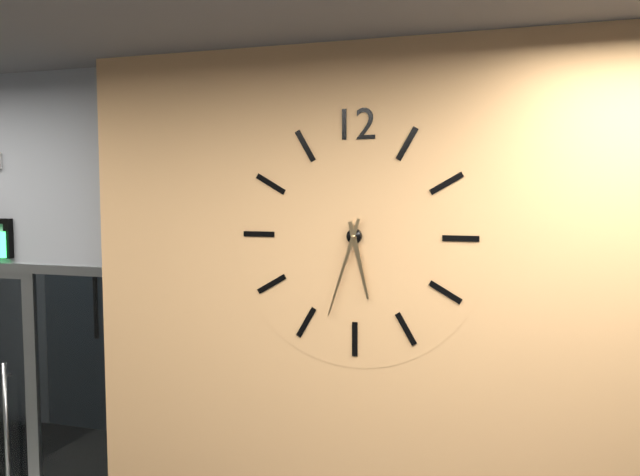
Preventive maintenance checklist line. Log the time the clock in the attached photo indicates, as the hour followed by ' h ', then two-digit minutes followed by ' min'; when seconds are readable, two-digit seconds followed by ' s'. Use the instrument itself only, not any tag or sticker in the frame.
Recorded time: 5 h 33 min
